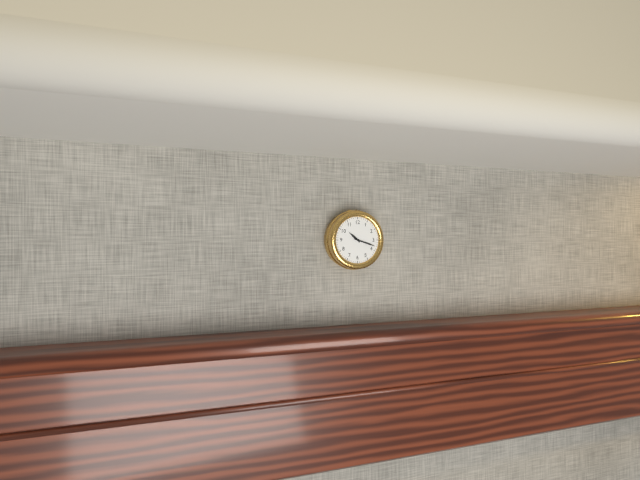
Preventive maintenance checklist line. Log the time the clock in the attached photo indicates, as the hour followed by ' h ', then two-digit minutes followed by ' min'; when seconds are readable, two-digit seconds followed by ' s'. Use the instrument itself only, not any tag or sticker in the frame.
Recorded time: 10 h 18 min
